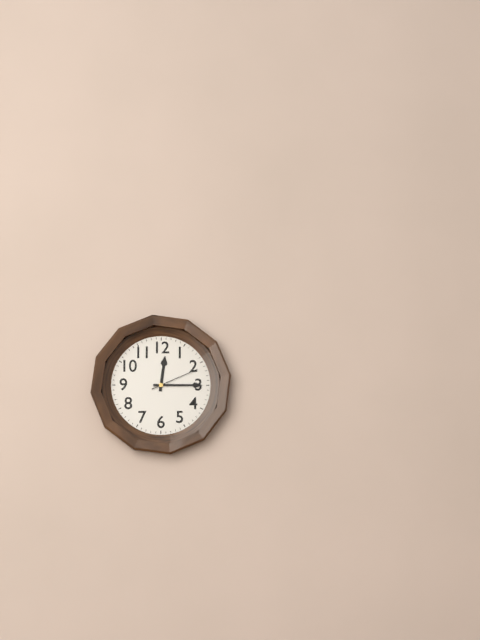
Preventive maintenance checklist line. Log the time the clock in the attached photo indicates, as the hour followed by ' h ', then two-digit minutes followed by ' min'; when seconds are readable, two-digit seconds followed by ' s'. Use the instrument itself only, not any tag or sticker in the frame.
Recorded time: 12 h 15 min 11 s
